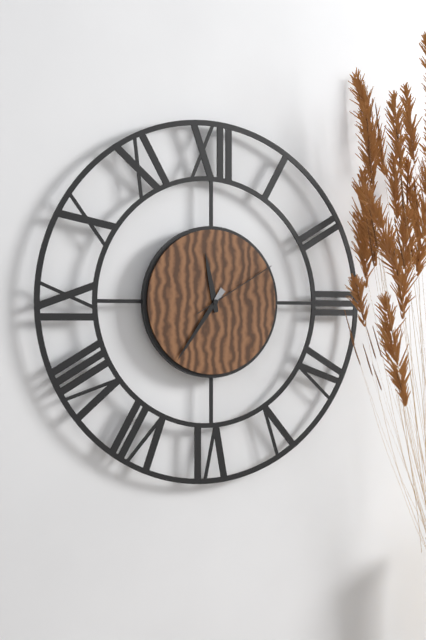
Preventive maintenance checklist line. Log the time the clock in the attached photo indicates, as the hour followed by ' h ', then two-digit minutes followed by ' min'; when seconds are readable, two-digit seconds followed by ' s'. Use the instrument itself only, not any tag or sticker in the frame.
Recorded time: 11 h 36 min 10 s
